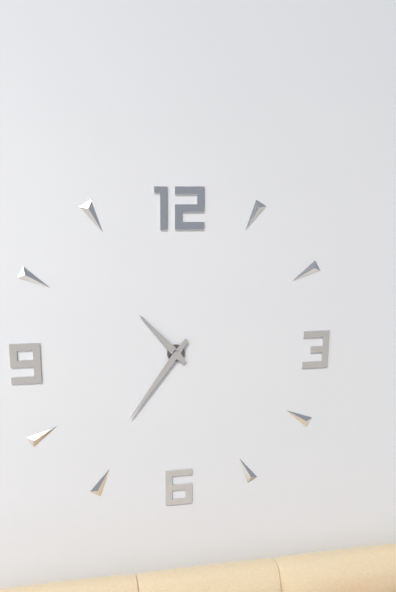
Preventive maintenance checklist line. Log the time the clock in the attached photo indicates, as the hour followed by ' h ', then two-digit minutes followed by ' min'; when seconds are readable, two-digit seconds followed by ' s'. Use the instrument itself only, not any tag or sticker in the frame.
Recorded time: 10 h 36 min
